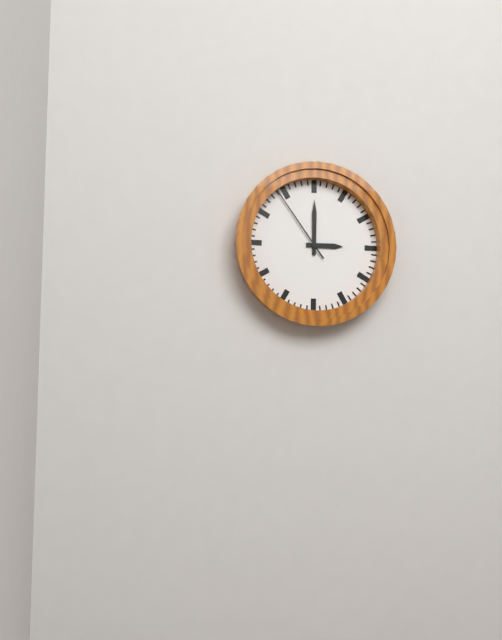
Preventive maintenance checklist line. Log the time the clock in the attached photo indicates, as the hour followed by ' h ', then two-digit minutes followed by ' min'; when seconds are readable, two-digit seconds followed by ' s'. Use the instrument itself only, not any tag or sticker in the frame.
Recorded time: 3 h 00 min 54 s
